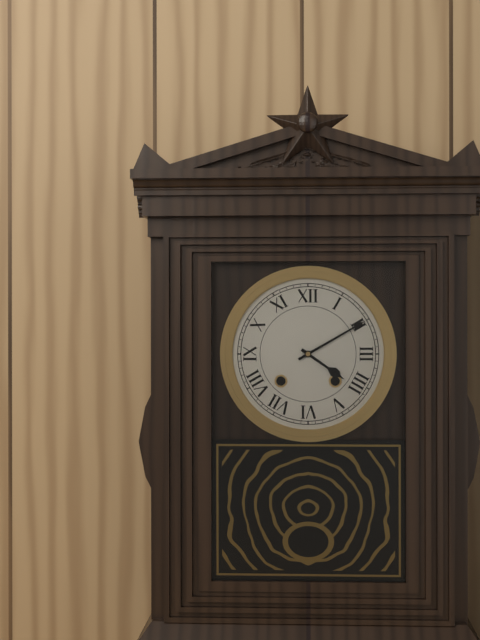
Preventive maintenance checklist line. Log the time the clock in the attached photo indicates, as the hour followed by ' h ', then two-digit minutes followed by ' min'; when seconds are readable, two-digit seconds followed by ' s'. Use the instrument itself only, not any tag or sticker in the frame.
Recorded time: 4 h 10 min
